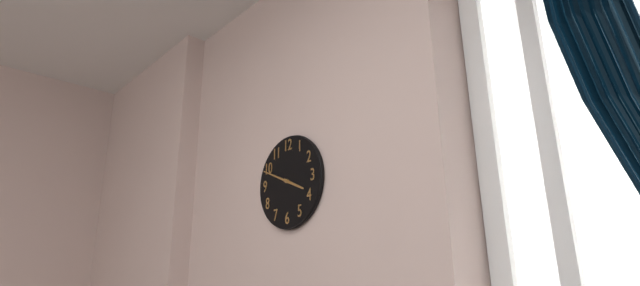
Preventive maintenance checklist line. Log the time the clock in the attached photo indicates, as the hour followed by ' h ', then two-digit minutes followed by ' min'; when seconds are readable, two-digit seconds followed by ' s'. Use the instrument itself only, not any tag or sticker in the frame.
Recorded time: 3 h 49 min
